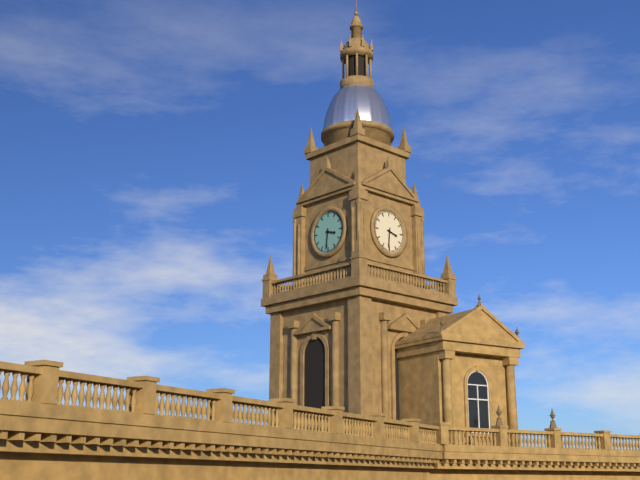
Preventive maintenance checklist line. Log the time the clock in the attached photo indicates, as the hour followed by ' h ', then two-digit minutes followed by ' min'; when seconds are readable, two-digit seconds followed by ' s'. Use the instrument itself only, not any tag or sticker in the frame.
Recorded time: 3 h 31 min
